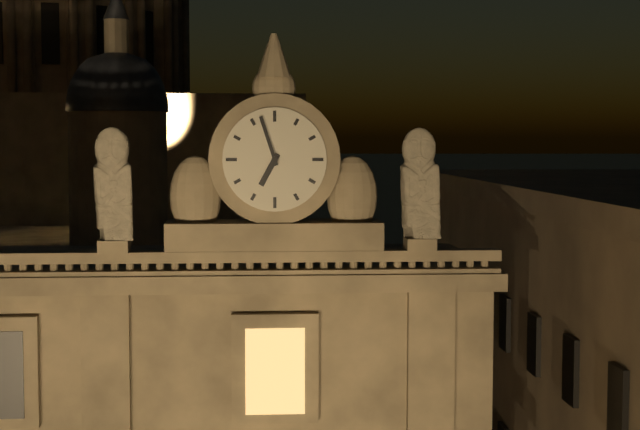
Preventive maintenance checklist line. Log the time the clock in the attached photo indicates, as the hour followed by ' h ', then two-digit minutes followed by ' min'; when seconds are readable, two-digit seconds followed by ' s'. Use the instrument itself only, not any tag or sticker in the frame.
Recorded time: 6 h 57 min
